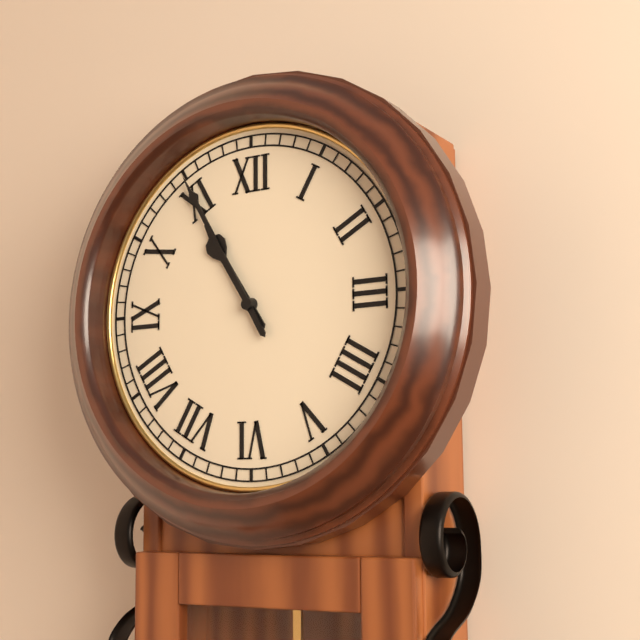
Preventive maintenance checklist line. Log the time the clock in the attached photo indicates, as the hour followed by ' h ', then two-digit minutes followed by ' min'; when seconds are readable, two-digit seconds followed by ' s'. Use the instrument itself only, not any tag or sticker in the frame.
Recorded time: 10 h 55 min
